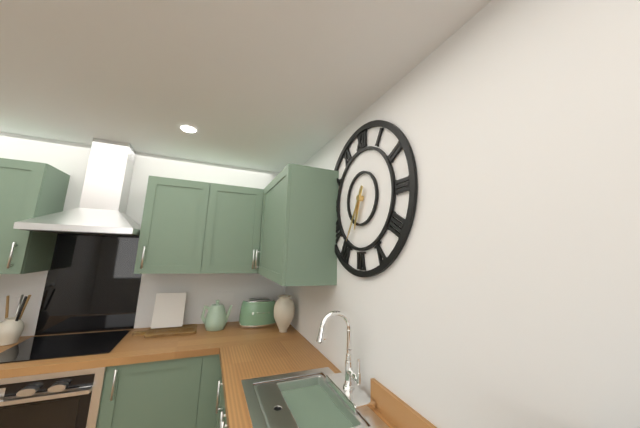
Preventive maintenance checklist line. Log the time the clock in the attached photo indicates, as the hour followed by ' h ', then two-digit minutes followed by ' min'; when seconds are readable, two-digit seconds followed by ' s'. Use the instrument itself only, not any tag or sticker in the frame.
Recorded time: 6 h 35 min
